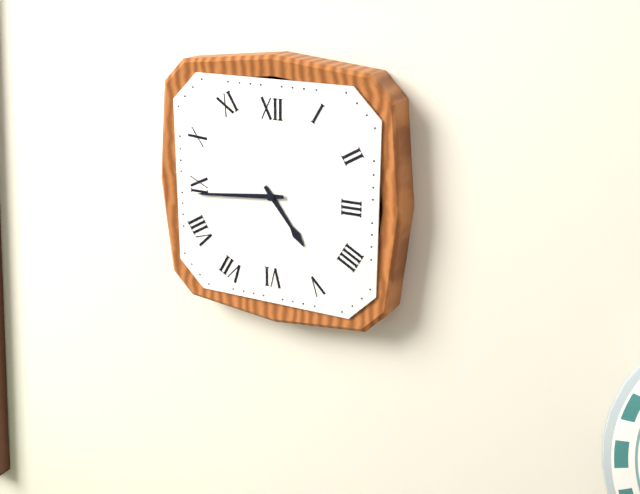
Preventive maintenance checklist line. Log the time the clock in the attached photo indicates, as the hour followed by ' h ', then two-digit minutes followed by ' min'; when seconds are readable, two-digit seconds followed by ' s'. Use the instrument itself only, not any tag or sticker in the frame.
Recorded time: 4 h 44 min
